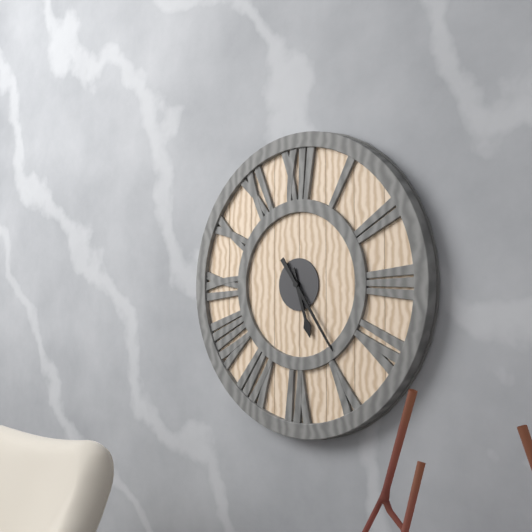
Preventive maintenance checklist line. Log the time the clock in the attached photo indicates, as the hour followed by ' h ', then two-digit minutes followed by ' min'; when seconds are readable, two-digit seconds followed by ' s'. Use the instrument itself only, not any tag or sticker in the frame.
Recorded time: 5 h 24 min
